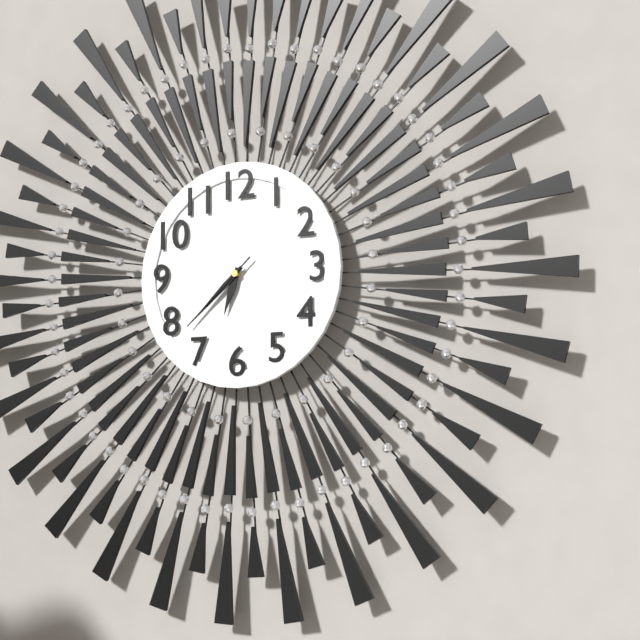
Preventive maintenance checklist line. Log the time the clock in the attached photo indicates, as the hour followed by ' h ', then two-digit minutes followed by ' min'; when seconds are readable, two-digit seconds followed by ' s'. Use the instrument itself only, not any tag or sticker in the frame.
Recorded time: 6 h 38 min 38 s
